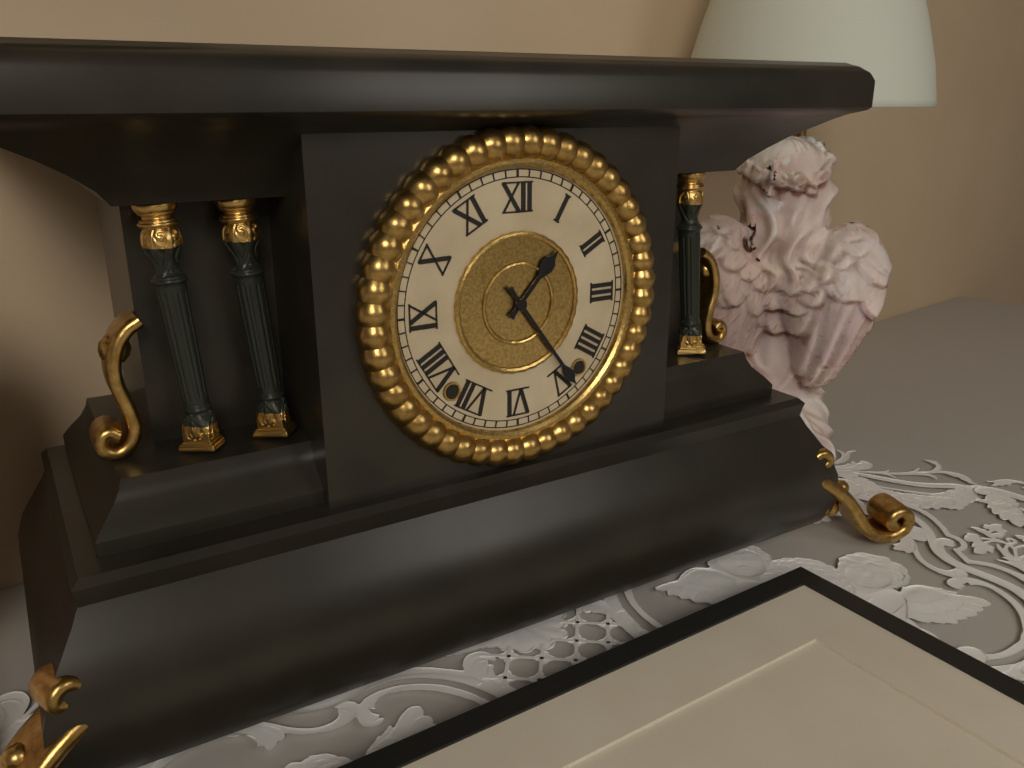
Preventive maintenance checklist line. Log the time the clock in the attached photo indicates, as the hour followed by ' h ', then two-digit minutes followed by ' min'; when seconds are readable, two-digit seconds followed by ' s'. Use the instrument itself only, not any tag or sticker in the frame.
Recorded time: 1 h 24 min
